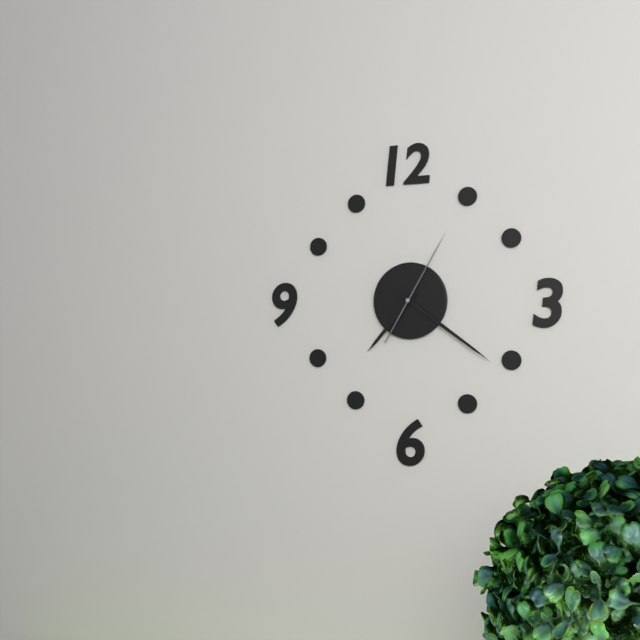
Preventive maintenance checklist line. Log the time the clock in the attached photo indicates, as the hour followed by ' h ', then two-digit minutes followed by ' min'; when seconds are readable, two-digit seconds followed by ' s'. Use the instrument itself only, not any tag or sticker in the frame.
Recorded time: 7 h 21 min 05 s
